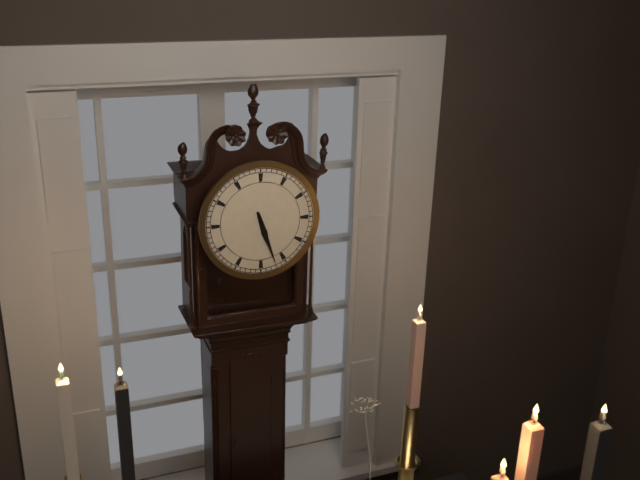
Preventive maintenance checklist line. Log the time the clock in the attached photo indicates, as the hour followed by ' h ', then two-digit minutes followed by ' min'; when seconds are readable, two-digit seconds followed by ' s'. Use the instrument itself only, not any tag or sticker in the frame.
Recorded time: 5 h 27 min
